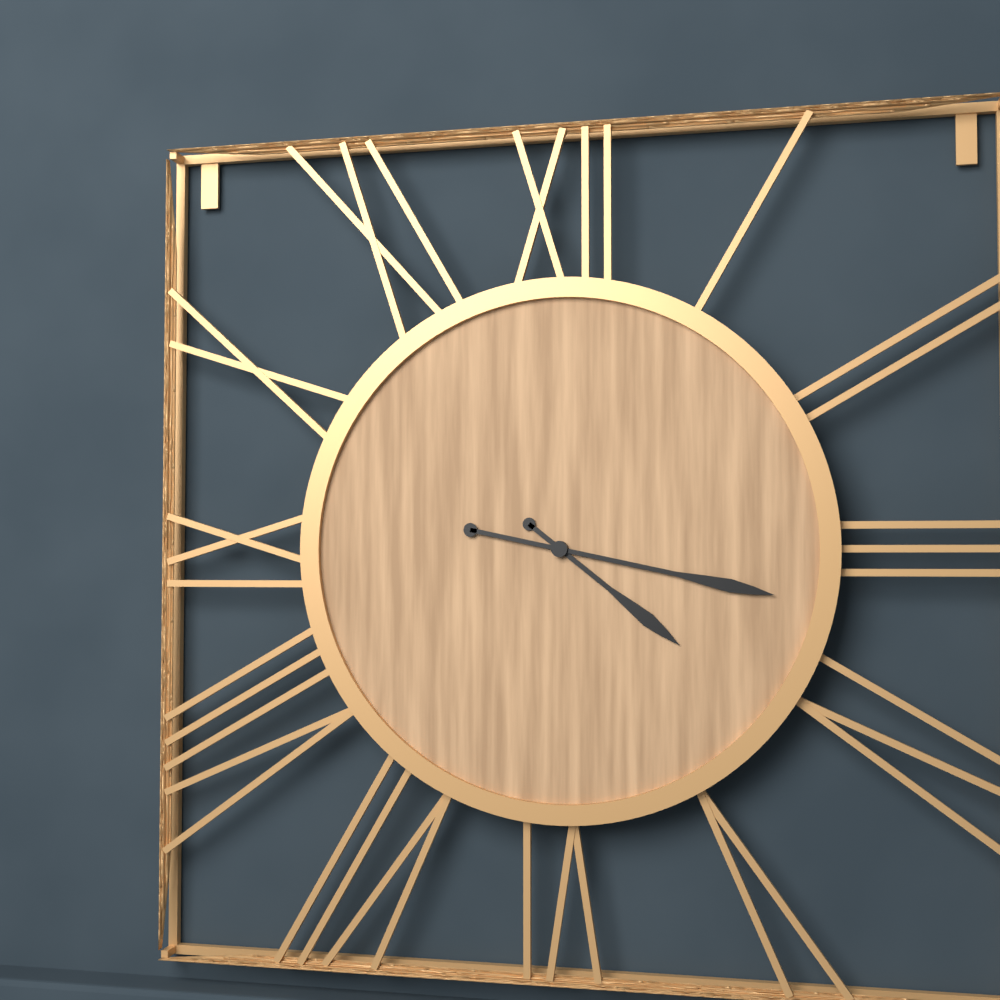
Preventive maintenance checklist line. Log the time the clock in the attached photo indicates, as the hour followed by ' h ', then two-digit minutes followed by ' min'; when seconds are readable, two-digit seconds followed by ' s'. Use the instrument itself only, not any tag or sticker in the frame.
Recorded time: 4 h 17 min
